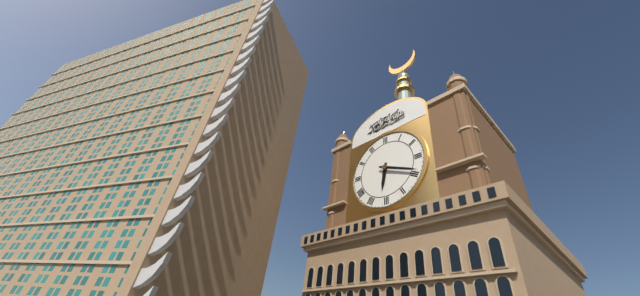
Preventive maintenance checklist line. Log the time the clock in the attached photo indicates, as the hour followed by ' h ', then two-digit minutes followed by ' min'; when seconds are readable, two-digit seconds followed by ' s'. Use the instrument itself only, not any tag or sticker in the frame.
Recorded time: 6 h 19 min
